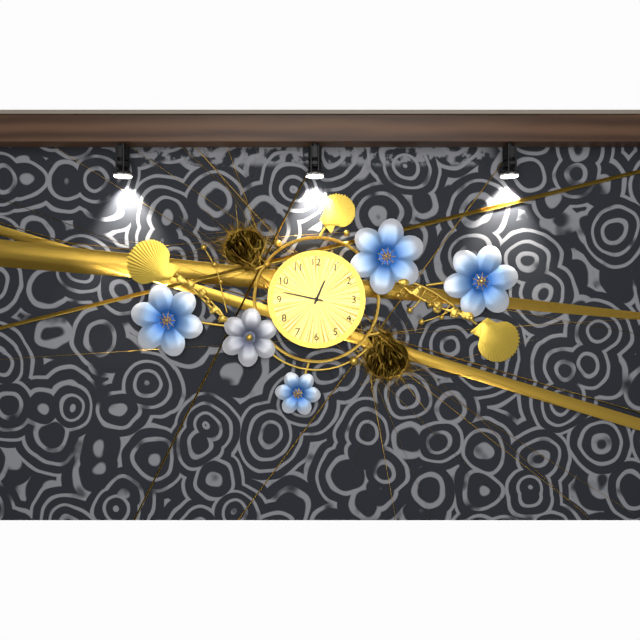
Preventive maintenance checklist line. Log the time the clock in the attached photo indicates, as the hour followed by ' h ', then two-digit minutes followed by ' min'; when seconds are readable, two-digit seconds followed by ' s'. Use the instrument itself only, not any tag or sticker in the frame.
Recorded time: 12 h 47 min
